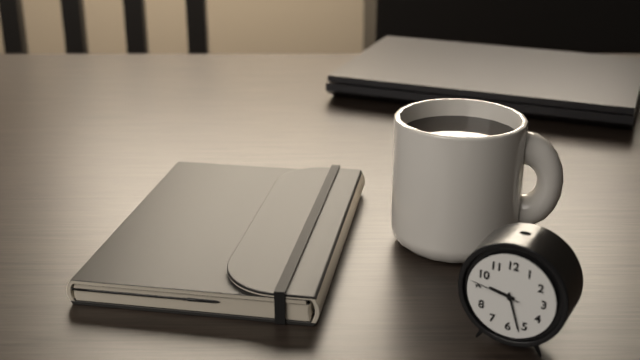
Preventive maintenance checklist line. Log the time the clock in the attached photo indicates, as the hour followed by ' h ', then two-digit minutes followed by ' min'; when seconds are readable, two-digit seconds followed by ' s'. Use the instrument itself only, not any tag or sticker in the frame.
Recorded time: 9 h 27 min 47 s
